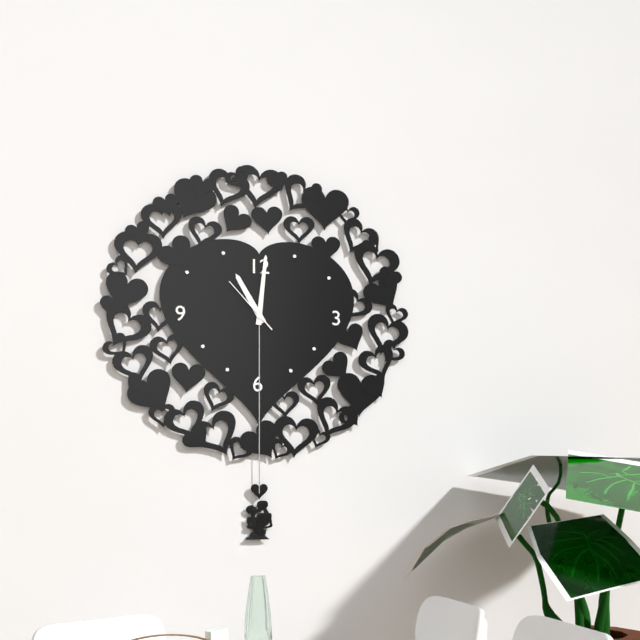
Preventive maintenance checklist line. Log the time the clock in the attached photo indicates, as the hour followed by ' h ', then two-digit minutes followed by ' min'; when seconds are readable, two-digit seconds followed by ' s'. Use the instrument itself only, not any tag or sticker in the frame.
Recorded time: 11 h 01 min 53 s
